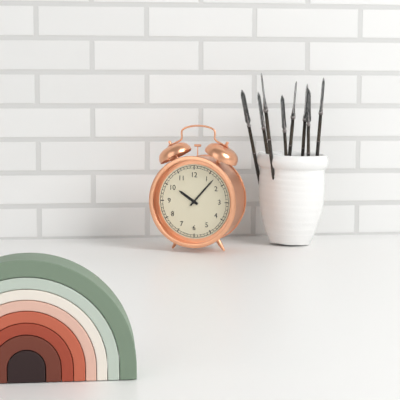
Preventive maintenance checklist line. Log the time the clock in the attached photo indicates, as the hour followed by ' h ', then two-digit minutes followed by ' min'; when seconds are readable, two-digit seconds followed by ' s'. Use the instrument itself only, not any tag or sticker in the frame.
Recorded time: 10 h 07 min
